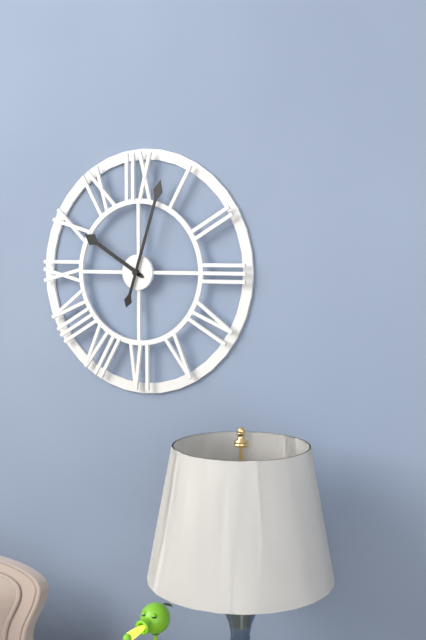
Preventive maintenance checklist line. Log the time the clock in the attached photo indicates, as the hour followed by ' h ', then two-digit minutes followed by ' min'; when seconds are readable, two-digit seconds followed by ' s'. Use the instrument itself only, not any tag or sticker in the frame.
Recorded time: 10 h 03 min
